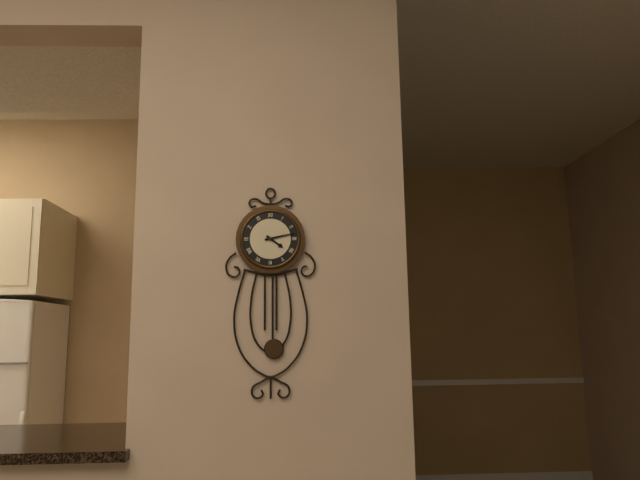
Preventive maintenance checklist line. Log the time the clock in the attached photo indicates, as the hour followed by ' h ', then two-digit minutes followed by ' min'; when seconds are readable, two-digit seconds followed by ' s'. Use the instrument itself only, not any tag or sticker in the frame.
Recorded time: 4 h 13 min
